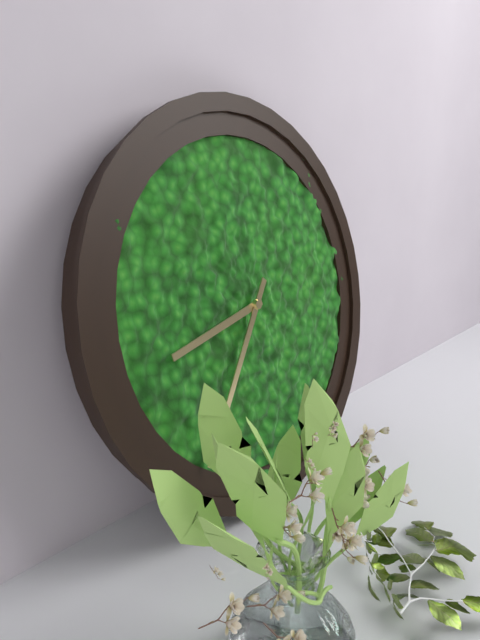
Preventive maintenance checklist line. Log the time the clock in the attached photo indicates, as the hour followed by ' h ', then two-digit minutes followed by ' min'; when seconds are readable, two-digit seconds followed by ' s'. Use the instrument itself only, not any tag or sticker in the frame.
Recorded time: 8 h 36 min
